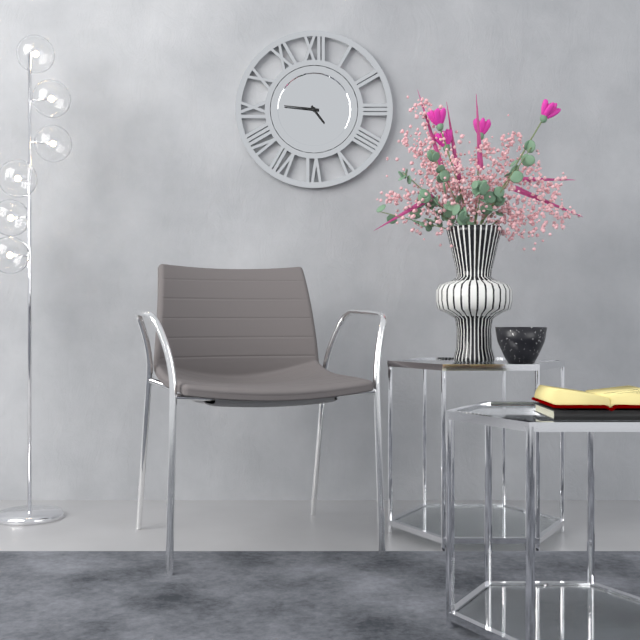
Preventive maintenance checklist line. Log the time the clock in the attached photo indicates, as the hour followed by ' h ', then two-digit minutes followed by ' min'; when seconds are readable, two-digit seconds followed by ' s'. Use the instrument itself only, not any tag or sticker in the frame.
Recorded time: 4 h 46 min
